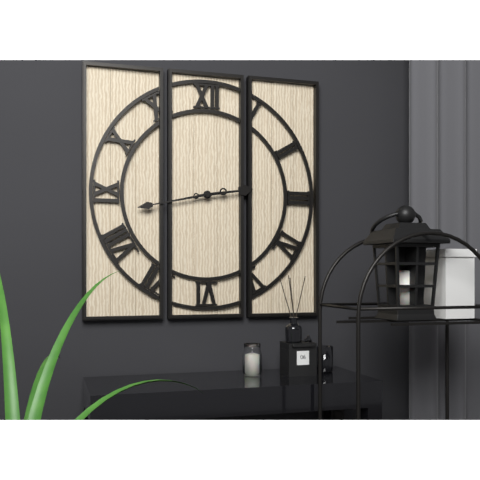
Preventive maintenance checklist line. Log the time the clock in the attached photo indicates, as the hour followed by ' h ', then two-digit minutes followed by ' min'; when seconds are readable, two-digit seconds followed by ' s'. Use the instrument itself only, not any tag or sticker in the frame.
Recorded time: 2 h 43 min
